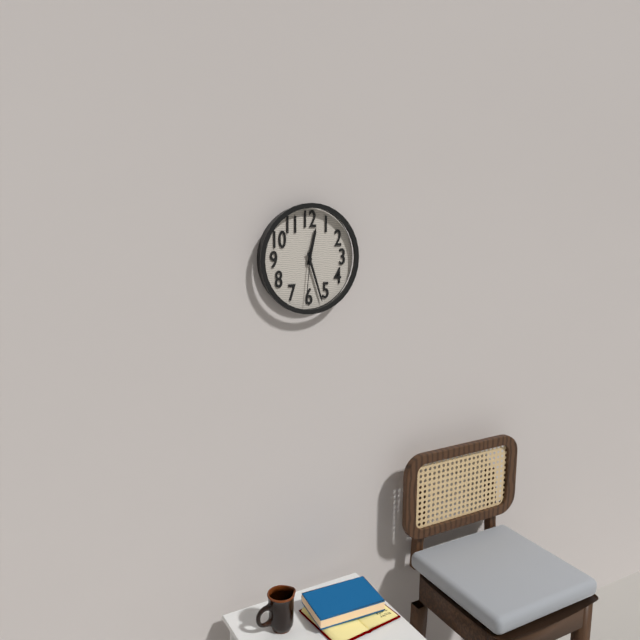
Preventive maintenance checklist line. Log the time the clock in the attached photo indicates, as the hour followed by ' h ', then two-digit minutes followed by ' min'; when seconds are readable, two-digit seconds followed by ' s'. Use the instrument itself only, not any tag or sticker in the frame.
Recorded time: 12 h 27 min 31 s
